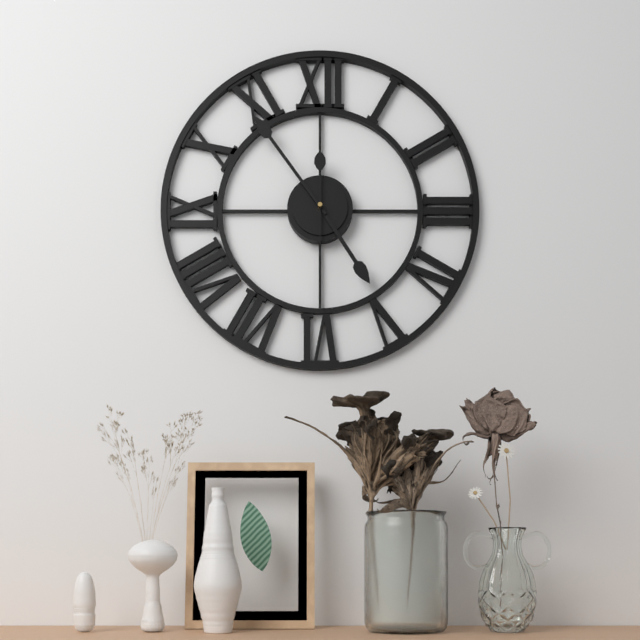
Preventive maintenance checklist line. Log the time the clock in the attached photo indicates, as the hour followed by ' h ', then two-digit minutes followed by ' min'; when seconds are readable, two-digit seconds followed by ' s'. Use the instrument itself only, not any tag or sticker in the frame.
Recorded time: 4 h 54 min 30 s
